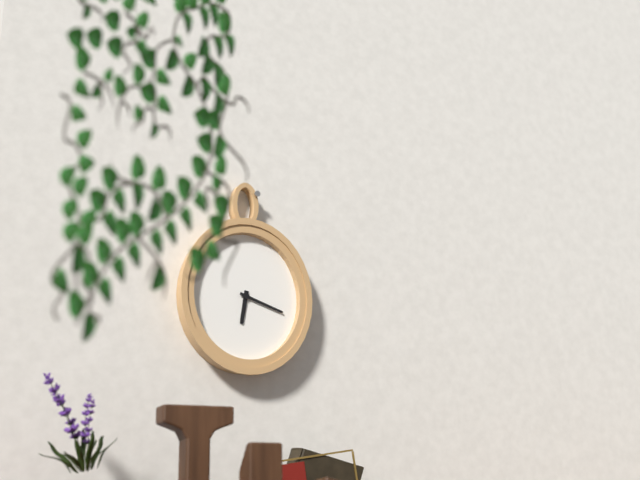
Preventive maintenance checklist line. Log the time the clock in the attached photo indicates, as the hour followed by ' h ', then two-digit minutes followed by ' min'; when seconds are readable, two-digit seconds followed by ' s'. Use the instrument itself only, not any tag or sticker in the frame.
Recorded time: 6 h 18 min
